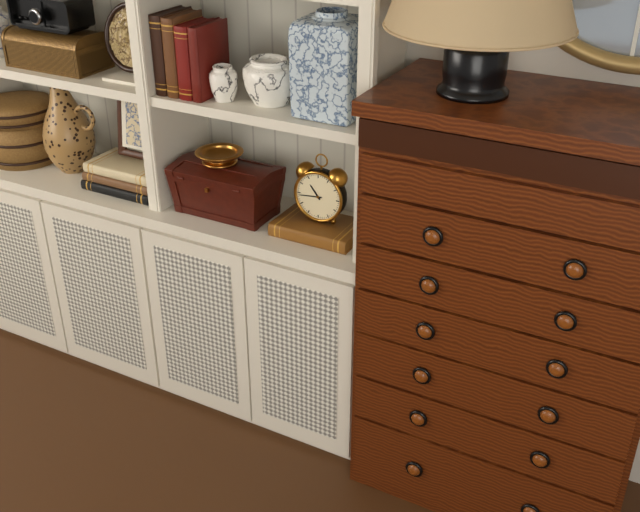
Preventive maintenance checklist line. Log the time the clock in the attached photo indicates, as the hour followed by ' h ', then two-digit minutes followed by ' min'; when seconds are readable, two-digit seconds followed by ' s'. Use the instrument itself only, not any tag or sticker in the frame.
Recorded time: 10 h 44 min
